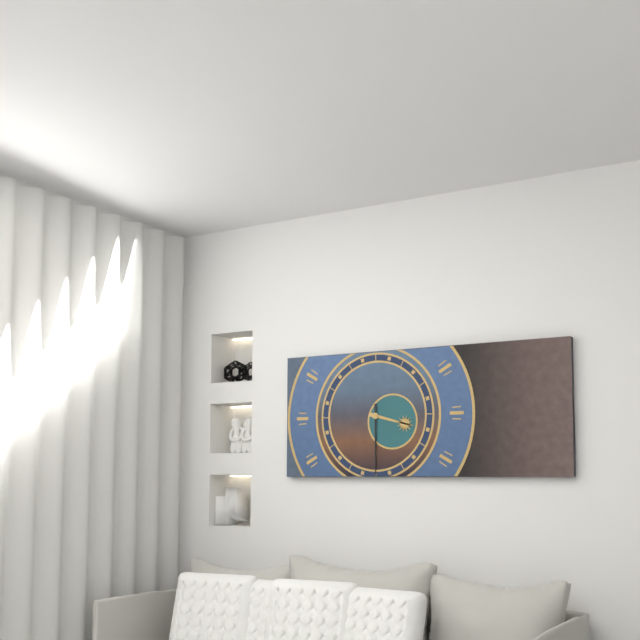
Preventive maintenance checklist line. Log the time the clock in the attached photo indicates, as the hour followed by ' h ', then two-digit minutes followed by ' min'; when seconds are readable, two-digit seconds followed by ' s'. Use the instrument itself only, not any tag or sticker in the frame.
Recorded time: 3 h 30 min
